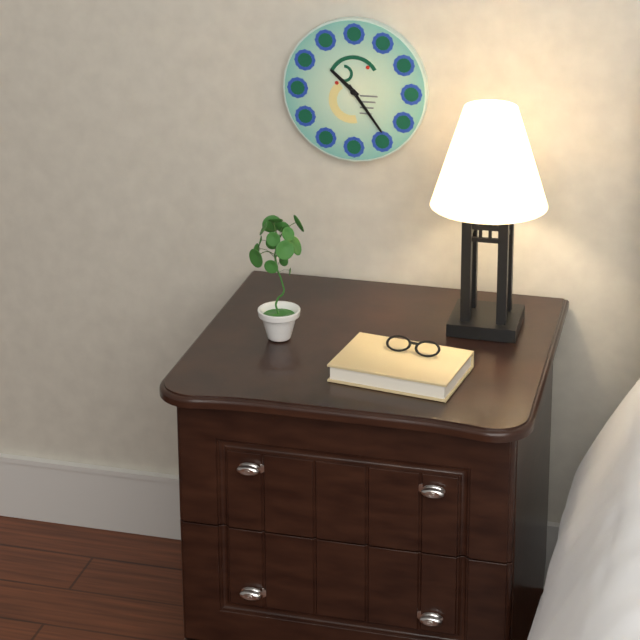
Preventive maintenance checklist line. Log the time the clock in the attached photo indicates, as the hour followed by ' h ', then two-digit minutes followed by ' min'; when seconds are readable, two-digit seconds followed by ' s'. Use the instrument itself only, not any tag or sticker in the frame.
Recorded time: 10 h 24 min
